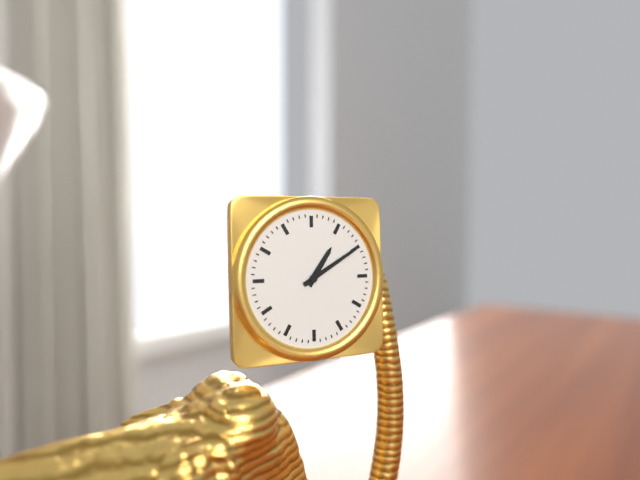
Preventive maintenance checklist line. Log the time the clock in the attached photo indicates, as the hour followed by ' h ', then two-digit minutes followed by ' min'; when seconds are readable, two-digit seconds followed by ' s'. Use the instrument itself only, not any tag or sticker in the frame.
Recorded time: 1 h 10 min
